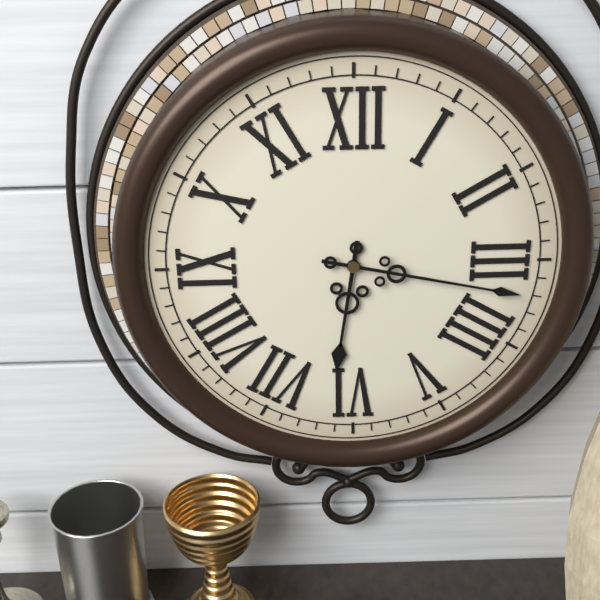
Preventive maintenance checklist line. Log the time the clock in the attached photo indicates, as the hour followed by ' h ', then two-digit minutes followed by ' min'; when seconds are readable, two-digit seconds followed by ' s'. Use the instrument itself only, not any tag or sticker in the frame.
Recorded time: 6 h 17 min
